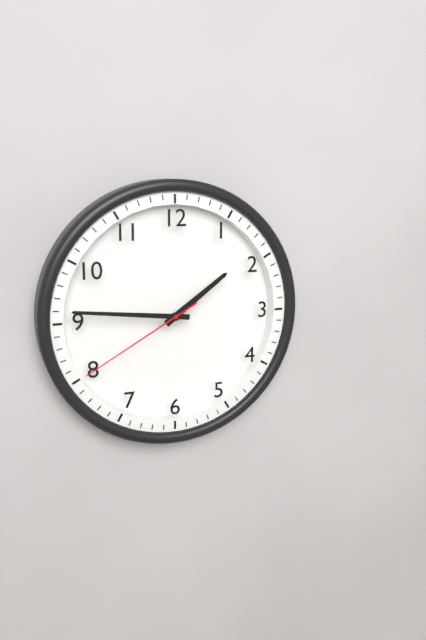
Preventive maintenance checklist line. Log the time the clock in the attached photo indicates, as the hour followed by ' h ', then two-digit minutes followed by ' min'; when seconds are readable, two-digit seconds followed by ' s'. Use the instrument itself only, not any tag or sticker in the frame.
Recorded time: 1 h 46 min 40 s
